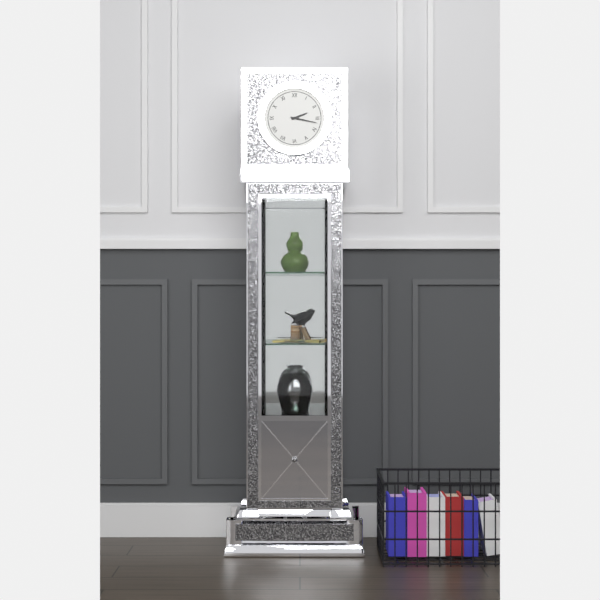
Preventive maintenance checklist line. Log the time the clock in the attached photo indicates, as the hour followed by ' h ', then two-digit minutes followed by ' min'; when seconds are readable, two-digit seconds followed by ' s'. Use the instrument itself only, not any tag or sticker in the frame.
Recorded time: 2 h 17 min
